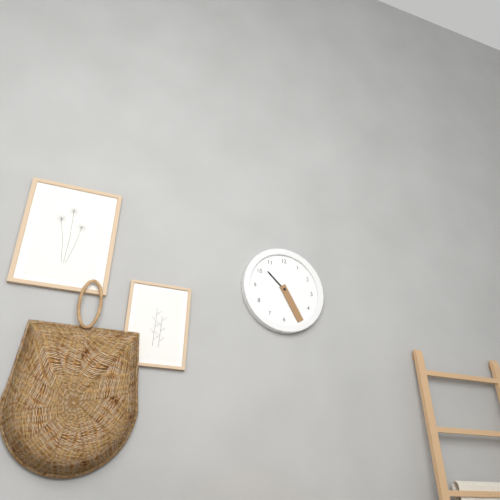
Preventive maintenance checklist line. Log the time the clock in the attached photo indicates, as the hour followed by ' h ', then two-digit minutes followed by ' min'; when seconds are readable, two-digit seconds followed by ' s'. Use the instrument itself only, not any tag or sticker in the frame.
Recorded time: 10 h 25 min
